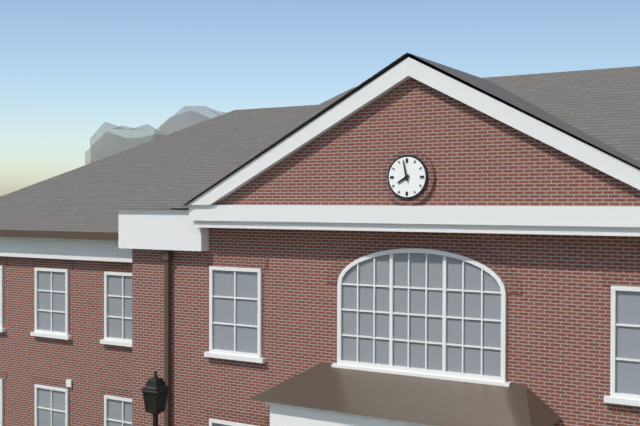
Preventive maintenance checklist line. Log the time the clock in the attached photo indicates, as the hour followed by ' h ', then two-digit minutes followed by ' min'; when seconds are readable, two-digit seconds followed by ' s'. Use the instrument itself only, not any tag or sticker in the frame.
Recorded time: 7 h 58 min
